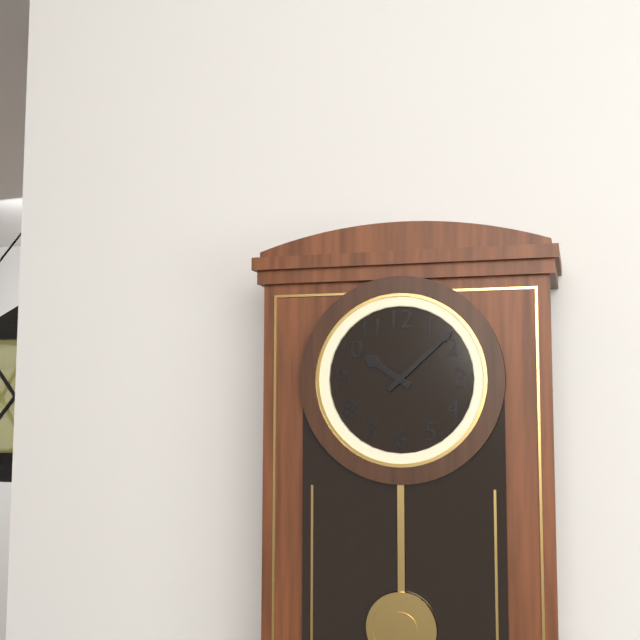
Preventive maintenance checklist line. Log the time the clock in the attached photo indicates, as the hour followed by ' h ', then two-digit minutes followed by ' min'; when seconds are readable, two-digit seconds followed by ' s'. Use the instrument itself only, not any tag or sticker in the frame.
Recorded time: 10 h 08 min
